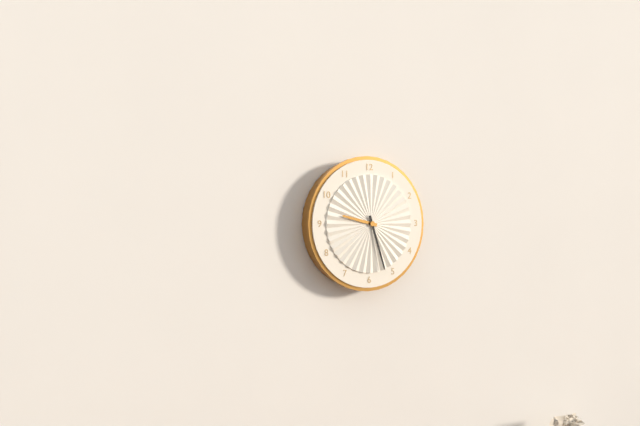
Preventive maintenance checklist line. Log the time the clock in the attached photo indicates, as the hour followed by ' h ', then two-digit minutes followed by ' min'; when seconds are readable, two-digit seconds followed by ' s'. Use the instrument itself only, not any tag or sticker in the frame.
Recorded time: 9 h 27 min
